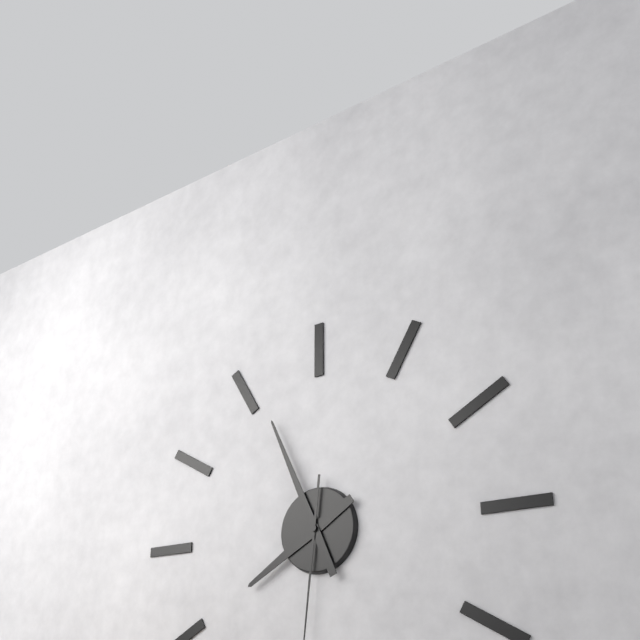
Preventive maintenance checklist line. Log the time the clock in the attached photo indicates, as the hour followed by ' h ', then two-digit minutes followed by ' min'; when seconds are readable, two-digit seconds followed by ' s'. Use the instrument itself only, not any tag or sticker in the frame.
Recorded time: 7 h 56 min
